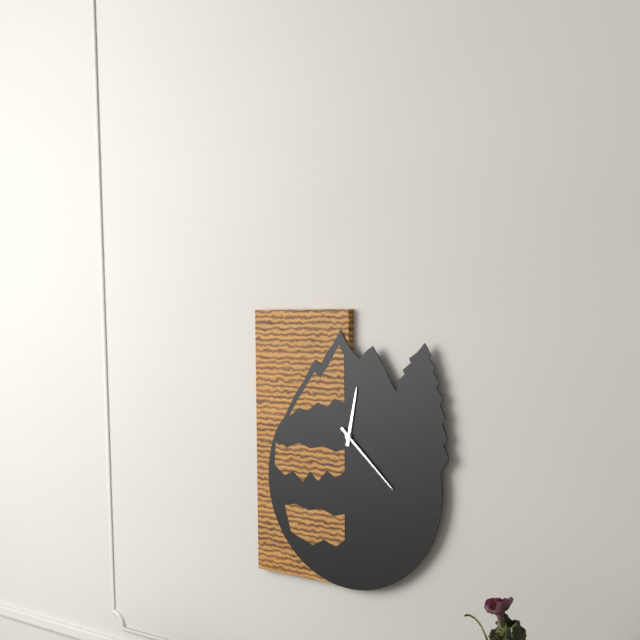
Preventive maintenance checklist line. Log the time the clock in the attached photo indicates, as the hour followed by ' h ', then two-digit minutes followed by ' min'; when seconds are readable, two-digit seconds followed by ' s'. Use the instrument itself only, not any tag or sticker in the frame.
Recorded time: 12 h 22 min
